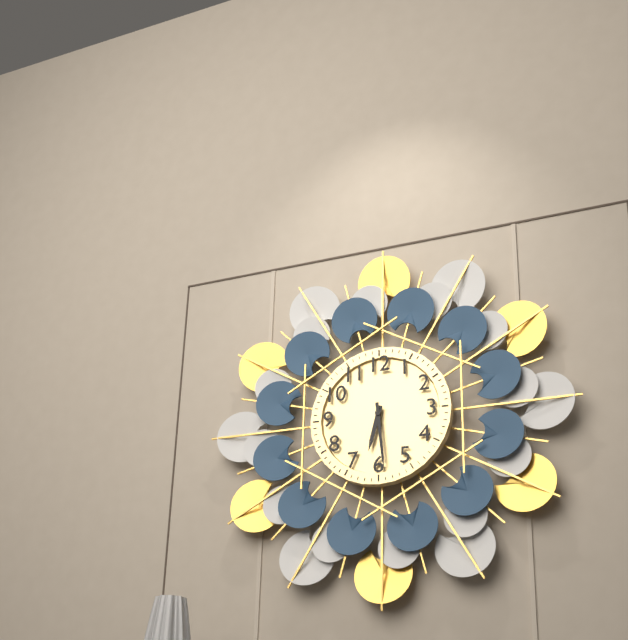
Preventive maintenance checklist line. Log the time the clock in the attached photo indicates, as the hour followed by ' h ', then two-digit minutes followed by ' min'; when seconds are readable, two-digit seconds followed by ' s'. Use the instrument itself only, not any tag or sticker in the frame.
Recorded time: 6 h 29 min
